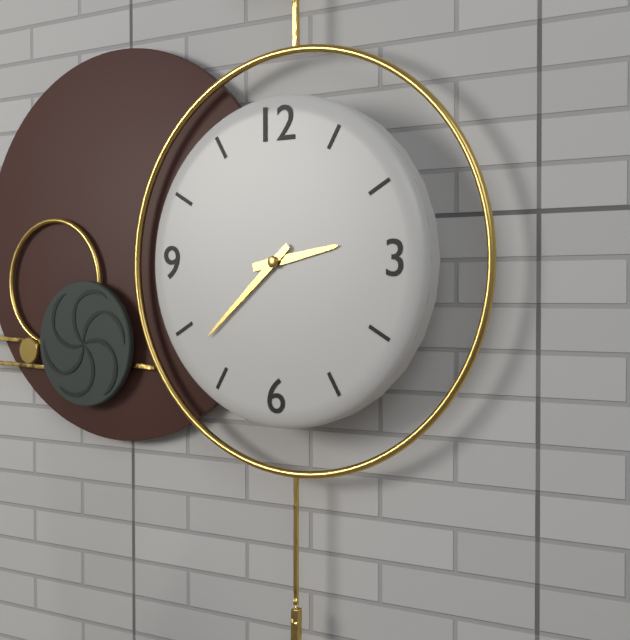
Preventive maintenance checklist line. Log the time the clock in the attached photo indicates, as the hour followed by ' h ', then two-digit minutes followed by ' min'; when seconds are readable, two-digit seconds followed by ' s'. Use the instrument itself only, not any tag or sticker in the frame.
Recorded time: 2 h 38 min
